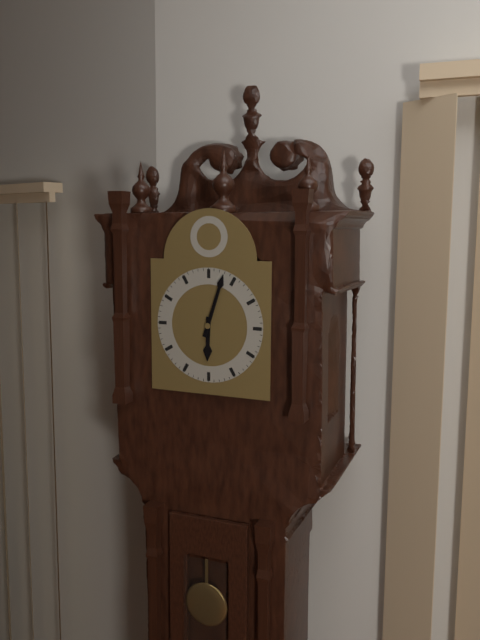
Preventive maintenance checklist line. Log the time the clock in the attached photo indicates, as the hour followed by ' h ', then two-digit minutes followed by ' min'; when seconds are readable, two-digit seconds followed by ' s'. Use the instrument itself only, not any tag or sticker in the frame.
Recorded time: 6 h 03 min
